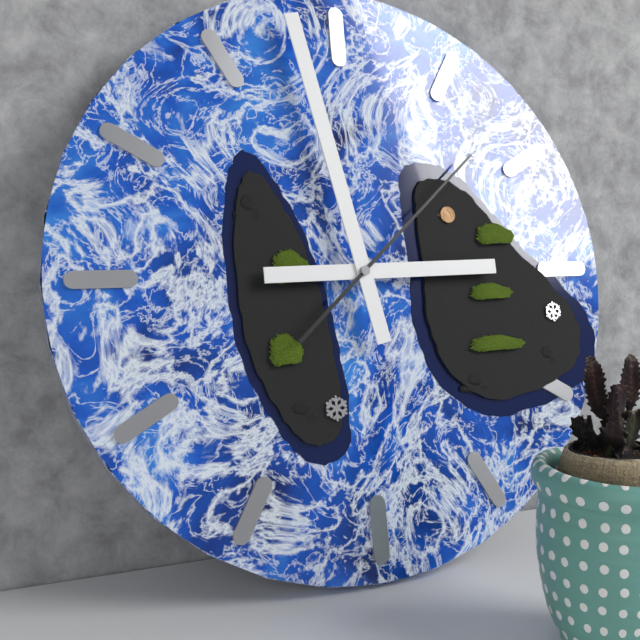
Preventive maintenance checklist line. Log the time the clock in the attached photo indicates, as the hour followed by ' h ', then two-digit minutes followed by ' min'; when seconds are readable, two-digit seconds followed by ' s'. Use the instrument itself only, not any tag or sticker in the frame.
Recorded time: 2 h 58 min 08 s
